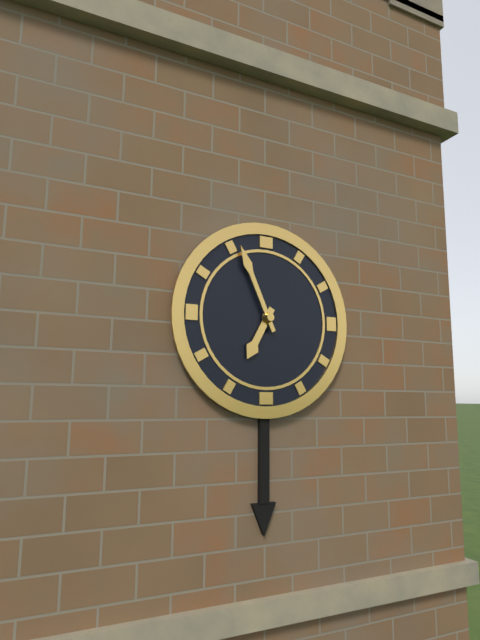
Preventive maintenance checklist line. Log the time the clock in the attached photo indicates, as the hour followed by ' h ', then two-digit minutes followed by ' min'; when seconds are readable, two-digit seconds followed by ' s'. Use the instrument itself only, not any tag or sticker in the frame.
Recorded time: 6 h 56 min
